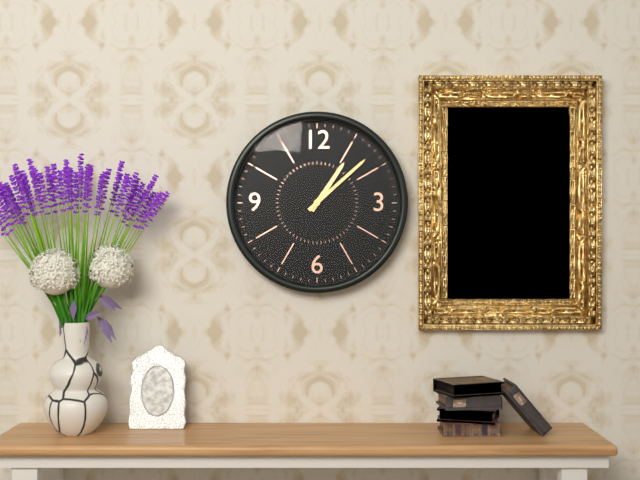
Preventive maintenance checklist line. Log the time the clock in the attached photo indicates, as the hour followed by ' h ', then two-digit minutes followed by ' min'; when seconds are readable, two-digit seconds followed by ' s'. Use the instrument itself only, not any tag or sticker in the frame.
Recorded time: 1 h 08 min
